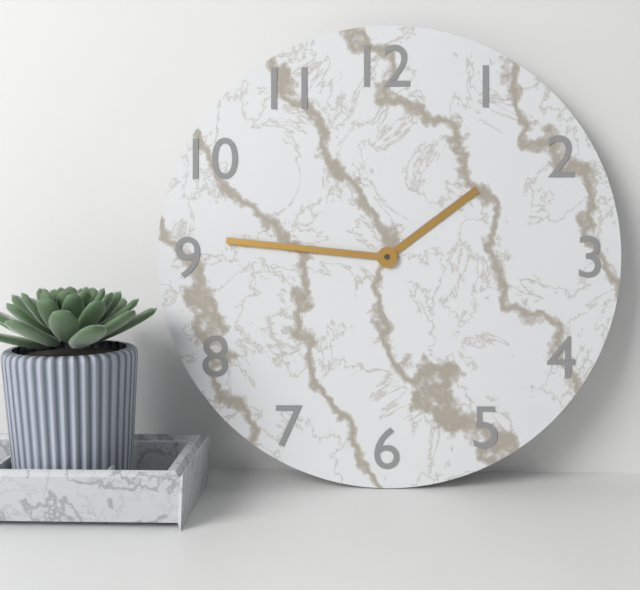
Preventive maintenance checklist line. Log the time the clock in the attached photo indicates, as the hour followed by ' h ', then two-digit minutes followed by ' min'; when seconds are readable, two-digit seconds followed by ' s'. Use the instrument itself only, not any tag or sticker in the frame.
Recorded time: 1 h 46 min
